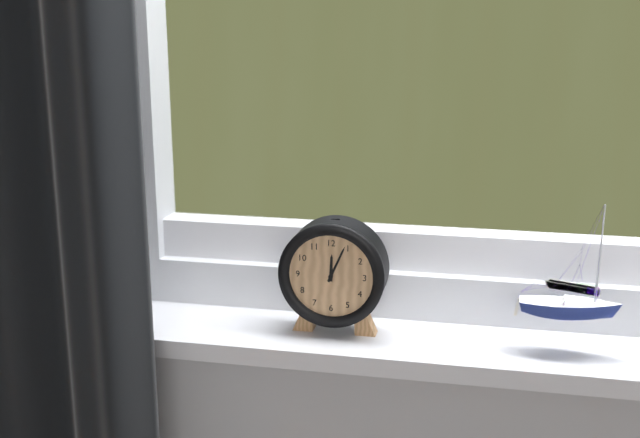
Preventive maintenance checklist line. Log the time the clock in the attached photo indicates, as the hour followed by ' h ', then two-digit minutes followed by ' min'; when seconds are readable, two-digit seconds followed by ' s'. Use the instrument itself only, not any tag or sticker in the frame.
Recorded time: 12 h 04 min
